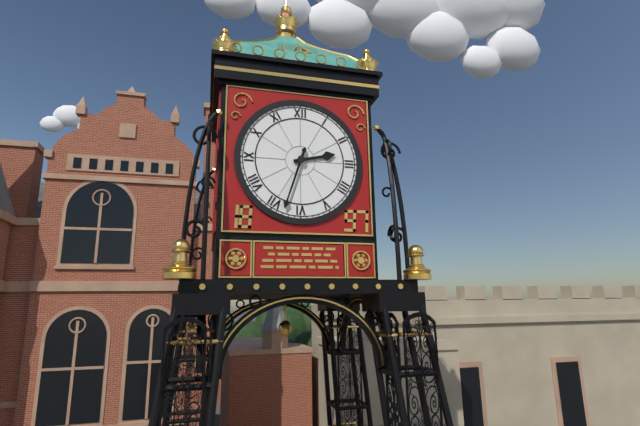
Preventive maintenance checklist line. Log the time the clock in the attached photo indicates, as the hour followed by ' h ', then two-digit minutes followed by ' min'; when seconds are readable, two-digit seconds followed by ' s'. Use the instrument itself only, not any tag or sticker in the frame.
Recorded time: 2 h 33 min
